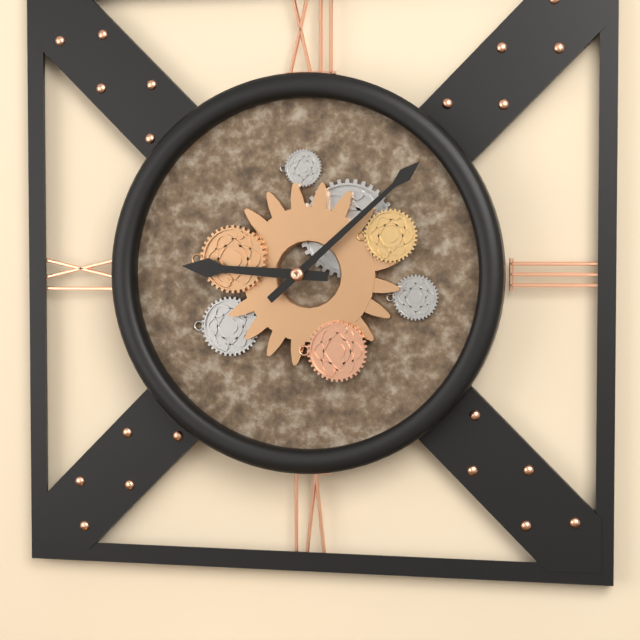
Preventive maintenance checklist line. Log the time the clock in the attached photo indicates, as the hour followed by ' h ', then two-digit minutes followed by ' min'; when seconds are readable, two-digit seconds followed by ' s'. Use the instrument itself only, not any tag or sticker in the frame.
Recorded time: 9 h 08 min
